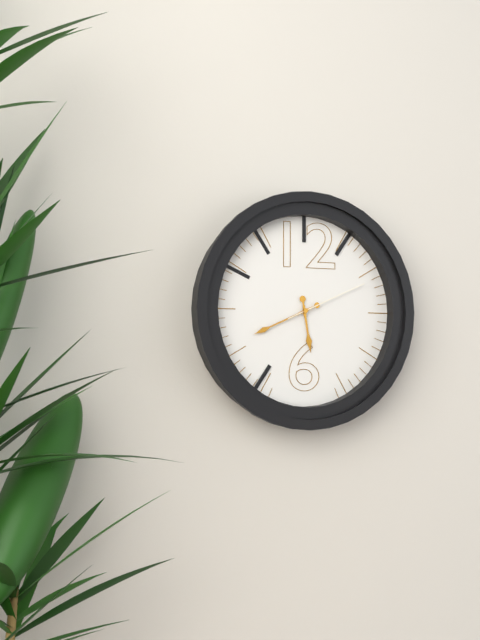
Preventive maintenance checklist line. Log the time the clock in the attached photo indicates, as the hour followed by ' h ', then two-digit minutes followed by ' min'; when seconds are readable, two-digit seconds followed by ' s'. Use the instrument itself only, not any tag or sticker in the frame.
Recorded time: 5 h 41 min 11 s
